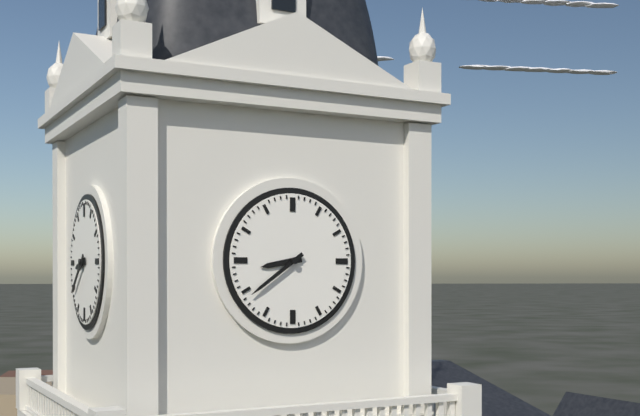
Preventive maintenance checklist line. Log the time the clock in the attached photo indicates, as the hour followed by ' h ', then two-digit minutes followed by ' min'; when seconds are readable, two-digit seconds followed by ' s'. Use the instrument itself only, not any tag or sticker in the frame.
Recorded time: 8 h 39 min
